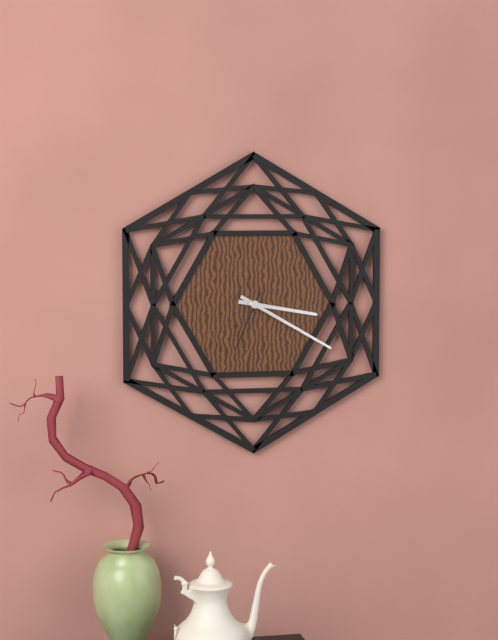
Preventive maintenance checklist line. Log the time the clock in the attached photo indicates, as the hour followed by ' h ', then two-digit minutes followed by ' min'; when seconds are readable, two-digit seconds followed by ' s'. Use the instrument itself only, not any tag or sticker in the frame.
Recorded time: 3 h 20 min 34 s
